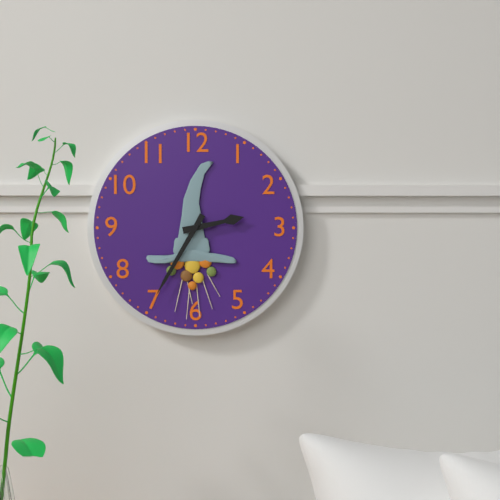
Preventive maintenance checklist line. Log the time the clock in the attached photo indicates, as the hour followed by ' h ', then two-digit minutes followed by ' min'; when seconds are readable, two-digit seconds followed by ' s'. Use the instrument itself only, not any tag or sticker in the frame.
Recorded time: 2 h 35 min
